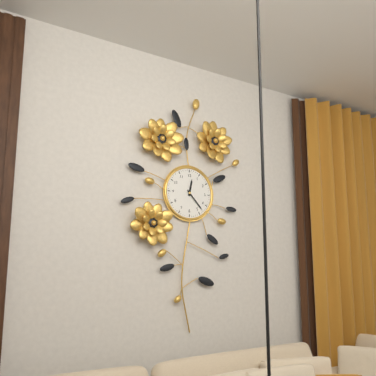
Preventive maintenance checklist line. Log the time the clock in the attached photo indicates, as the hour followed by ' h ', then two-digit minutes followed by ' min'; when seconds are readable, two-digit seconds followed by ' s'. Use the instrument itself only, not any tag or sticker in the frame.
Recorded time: 12 h 23 min
